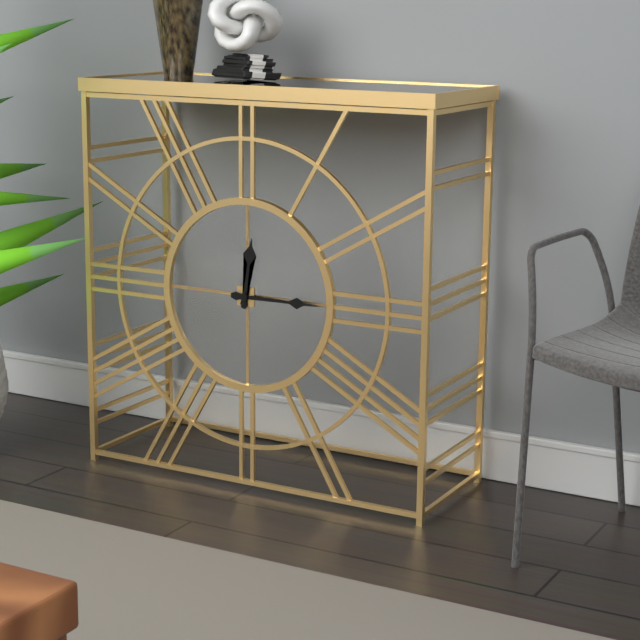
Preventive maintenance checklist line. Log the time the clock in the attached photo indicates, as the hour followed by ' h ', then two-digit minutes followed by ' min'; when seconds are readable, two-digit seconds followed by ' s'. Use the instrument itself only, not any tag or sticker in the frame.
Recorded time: 12 h 15 min
